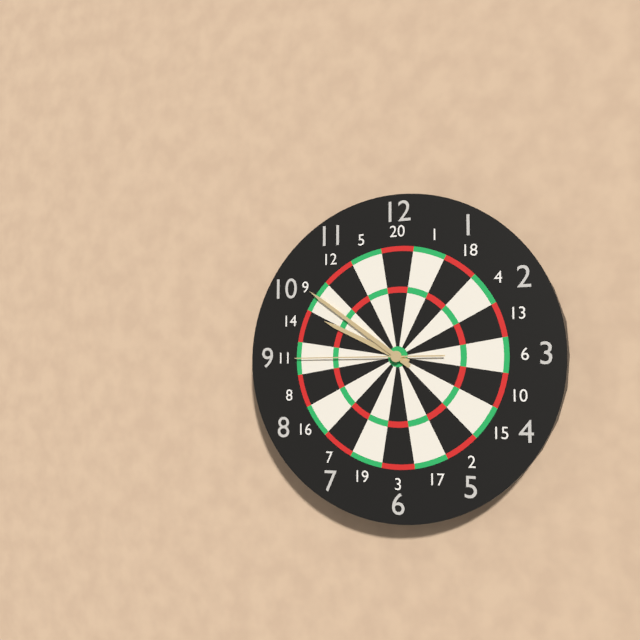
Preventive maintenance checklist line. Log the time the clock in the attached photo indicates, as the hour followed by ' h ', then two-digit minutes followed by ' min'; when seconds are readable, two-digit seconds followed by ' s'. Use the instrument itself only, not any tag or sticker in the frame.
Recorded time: 9 h 51 min 45 s
